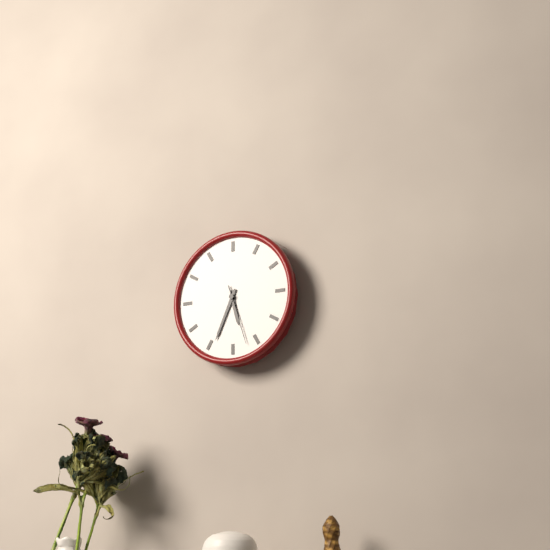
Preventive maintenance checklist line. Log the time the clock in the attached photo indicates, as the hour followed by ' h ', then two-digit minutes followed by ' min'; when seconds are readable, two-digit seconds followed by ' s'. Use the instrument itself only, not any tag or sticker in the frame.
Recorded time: 5 h 34 min 27 s
